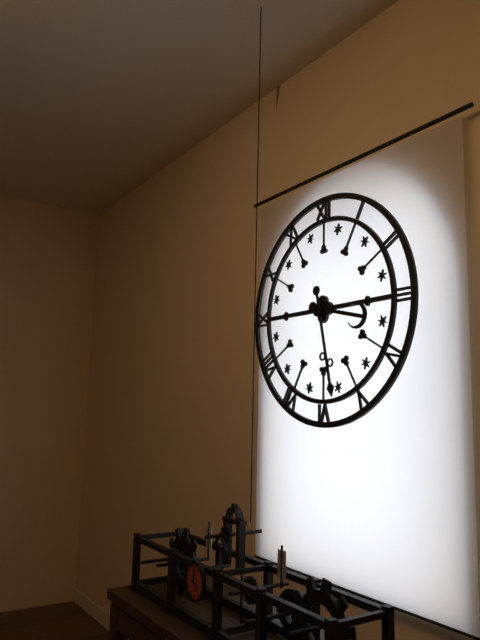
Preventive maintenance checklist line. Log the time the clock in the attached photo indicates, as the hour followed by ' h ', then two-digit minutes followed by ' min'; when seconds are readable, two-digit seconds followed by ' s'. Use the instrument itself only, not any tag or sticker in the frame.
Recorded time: 3 h 28 min
